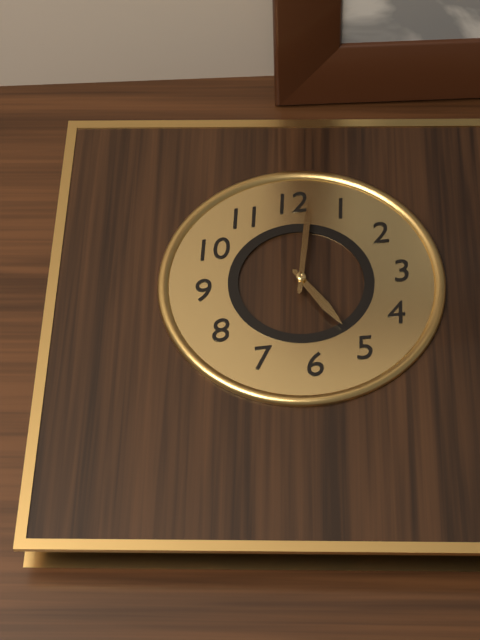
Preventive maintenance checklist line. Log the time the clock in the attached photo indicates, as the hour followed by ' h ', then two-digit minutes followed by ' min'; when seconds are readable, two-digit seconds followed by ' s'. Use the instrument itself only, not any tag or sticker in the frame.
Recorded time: 5 h 02 min
